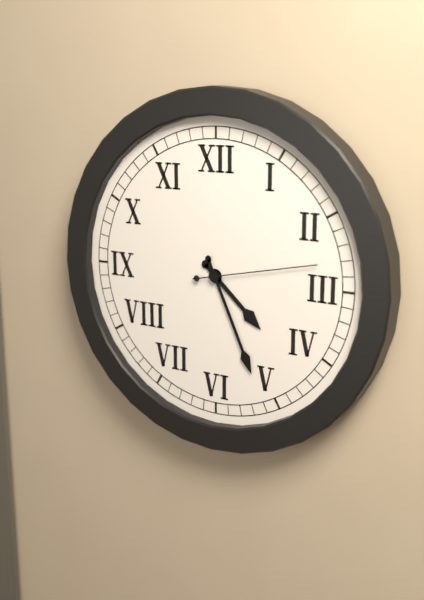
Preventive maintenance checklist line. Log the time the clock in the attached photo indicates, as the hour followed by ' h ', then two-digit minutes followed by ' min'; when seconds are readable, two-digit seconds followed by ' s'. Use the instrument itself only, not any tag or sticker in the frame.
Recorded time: 4 h 26 min 13 s
